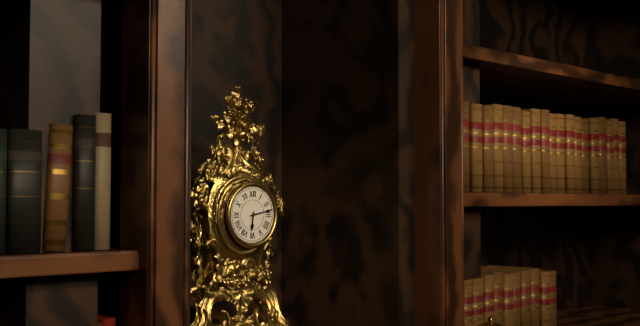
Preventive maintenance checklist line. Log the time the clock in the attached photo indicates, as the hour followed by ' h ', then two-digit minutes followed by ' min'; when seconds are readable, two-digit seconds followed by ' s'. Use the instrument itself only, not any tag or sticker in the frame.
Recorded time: 6 h 13 min
